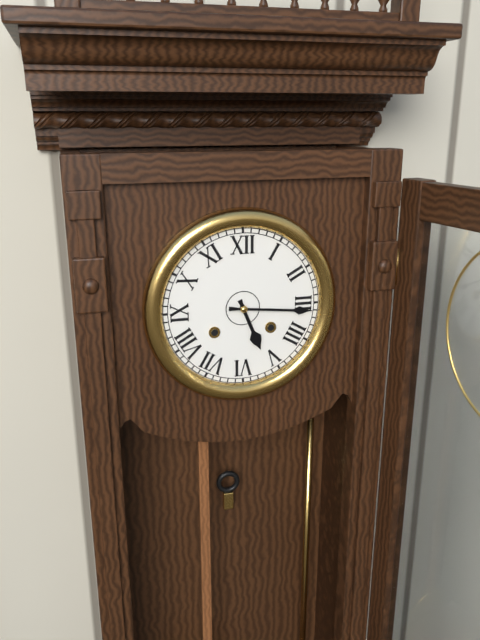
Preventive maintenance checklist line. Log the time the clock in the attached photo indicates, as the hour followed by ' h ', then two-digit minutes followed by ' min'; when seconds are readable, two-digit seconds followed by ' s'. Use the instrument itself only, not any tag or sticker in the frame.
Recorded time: 5 h 16 min
